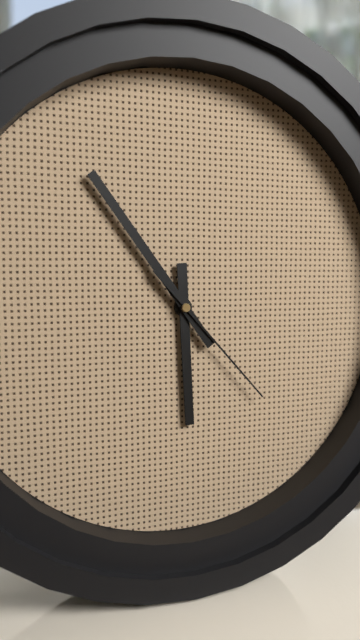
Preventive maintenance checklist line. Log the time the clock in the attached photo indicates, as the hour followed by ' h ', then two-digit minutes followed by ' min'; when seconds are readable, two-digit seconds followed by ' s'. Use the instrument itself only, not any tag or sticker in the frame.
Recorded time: 5 h 54 min 23 s
